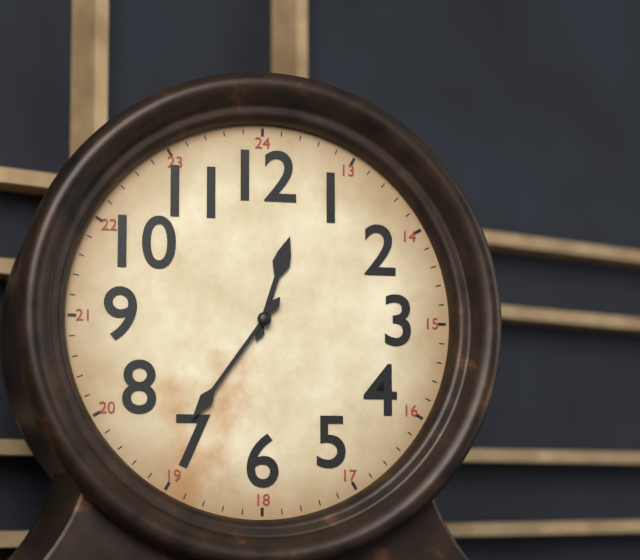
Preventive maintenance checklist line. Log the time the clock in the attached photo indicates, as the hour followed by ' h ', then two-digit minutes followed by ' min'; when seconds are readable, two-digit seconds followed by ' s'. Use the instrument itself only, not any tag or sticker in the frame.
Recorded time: 12 h 36 min
